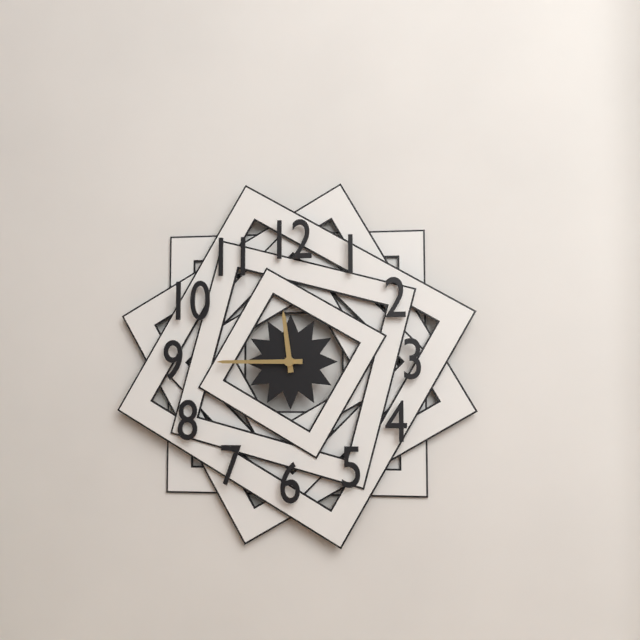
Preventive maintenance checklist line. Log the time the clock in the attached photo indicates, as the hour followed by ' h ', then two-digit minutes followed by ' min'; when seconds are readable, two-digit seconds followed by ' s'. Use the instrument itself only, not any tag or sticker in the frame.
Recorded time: 11 h 45 min
